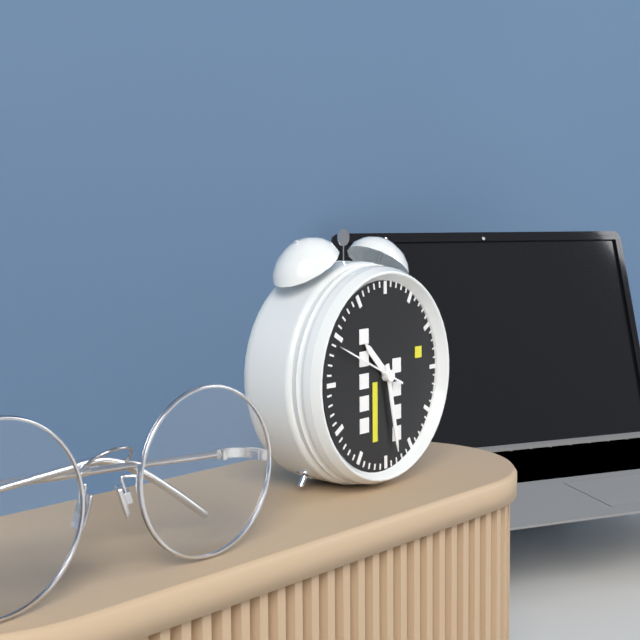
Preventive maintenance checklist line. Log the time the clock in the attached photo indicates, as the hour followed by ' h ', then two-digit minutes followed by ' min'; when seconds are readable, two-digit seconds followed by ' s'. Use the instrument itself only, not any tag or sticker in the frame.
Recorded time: 10 h 28 min 49 s
